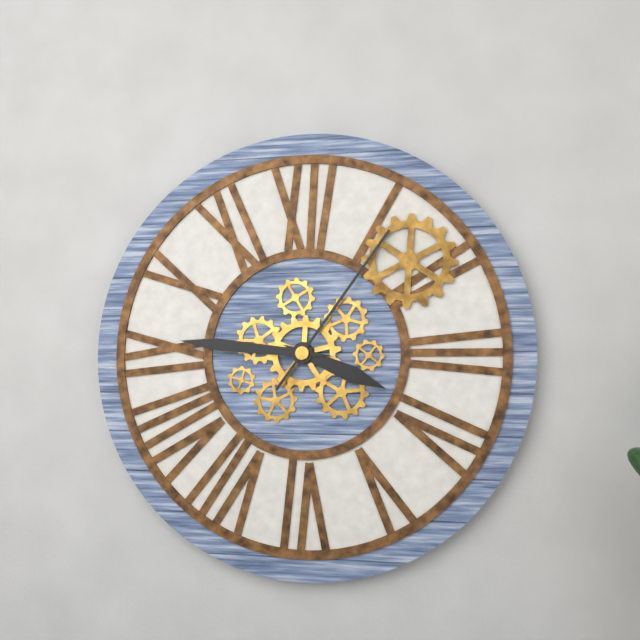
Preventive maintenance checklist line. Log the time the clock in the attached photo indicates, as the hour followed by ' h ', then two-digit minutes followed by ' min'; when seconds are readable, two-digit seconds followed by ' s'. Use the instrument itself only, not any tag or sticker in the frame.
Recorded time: 3 h 46 min 06 s
